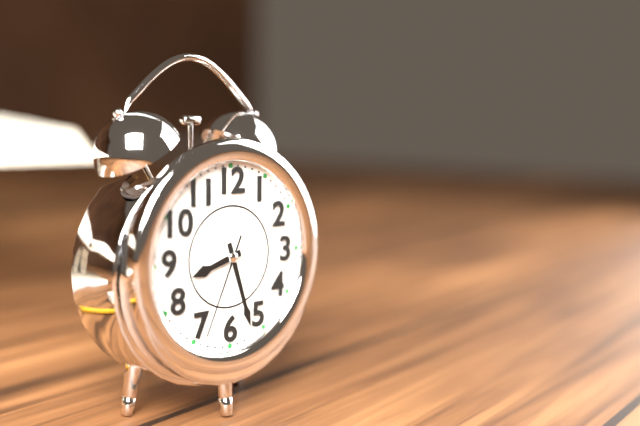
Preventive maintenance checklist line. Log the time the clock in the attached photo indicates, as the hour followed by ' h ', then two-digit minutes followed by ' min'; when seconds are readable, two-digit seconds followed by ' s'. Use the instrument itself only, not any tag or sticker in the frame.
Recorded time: 8 h 27 min 34 s
